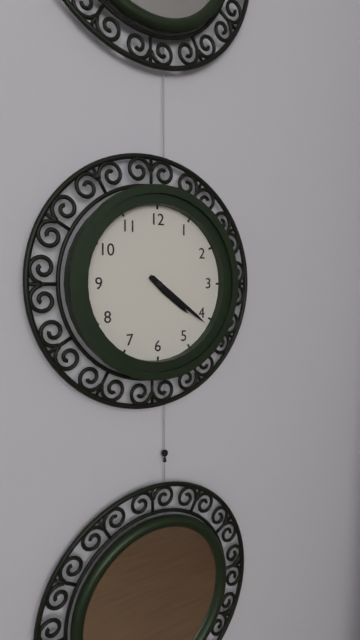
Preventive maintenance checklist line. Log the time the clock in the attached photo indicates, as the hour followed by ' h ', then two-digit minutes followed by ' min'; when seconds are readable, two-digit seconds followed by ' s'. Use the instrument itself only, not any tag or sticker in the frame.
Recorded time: 4 h 21 min
